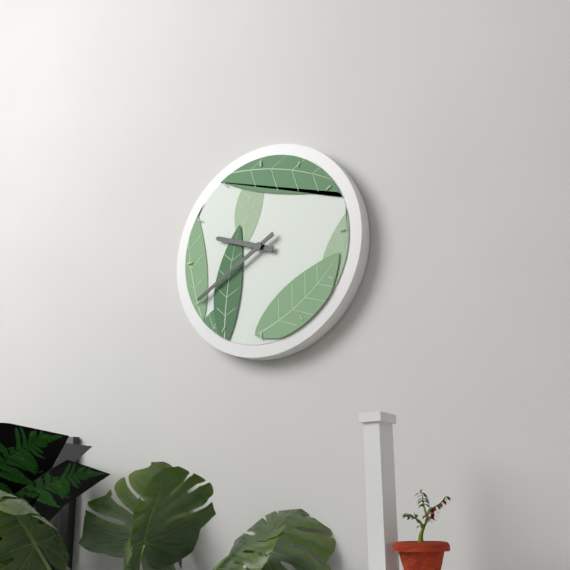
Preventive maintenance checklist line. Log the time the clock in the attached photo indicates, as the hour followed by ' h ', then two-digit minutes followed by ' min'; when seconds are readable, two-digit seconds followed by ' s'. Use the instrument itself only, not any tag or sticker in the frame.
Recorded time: 9 h 40 min
